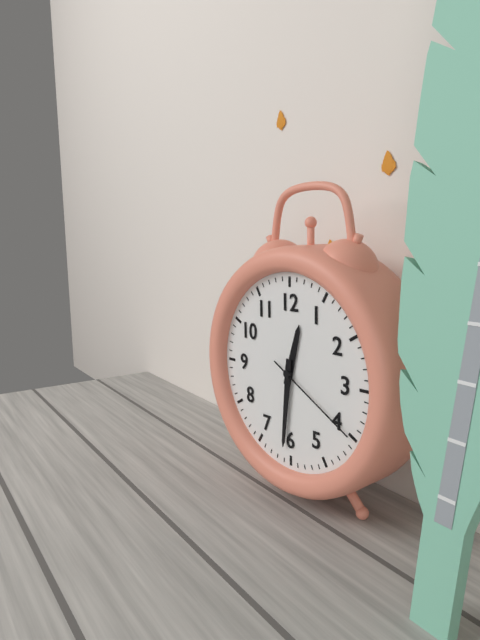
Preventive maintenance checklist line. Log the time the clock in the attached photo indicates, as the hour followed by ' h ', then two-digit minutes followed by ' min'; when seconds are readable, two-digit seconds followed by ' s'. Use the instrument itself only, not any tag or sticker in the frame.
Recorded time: 12 h 31 min 20 s
